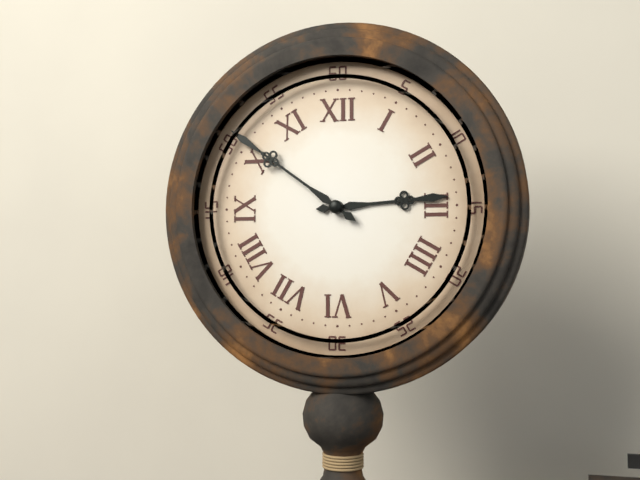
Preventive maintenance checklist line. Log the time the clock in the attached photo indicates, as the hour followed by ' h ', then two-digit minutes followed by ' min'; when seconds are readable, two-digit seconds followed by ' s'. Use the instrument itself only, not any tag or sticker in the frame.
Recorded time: 2 h 51 min
